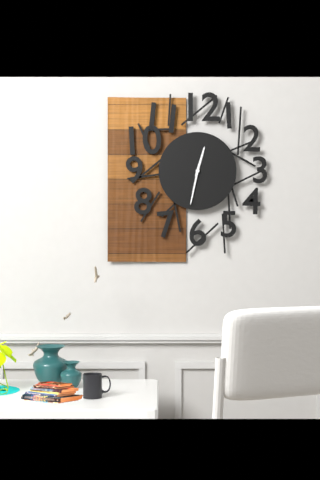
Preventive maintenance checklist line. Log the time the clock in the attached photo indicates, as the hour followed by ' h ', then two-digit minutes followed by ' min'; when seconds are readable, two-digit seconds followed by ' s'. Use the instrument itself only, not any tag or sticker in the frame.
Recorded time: 12 h 32 min
